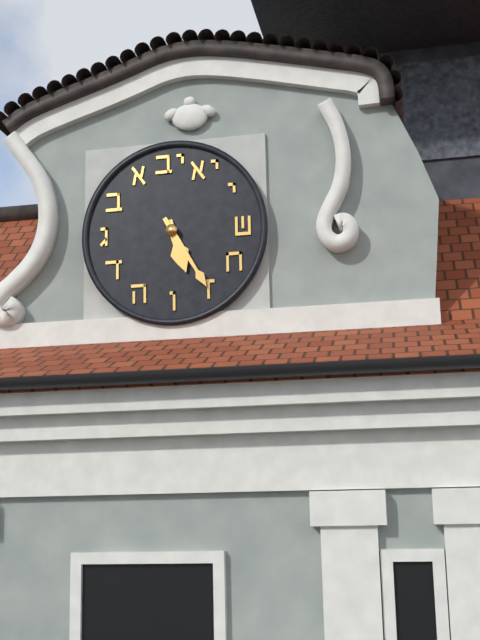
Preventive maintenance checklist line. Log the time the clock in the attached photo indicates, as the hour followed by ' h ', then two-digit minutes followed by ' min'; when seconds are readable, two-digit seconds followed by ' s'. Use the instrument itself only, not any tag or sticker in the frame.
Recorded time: 5 h 25 min
